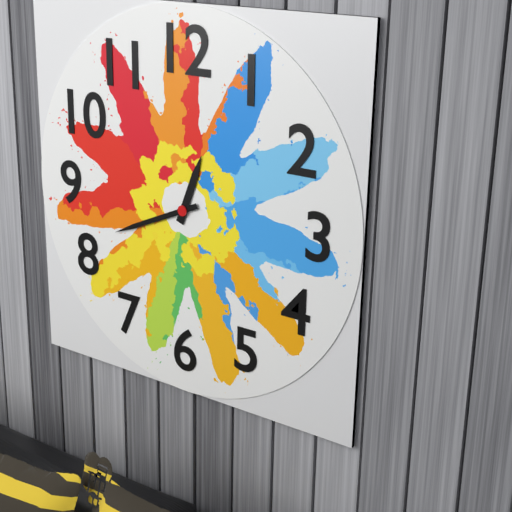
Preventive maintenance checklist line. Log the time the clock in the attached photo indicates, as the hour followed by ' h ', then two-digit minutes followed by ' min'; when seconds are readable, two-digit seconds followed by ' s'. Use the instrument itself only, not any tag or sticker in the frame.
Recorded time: 12 h 41 min
